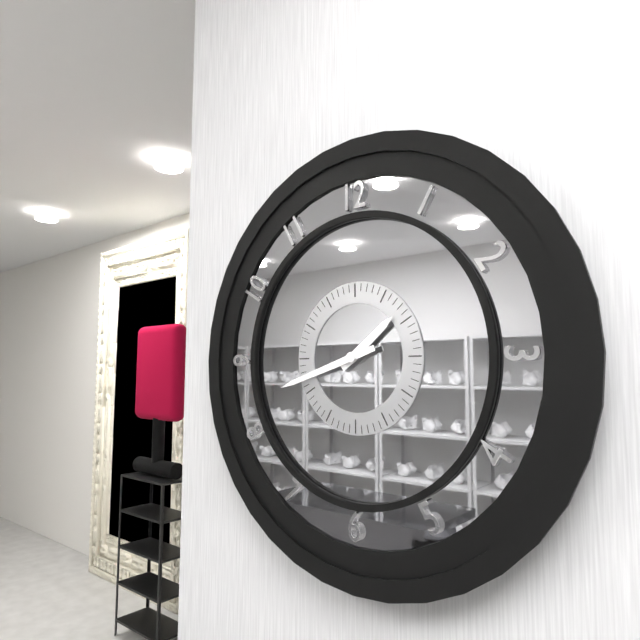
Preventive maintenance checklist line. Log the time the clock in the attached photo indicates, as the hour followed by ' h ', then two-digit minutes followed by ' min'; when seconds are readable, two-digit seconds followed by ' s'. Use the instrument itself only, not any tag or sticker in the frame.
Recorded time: 1 h 42 min
